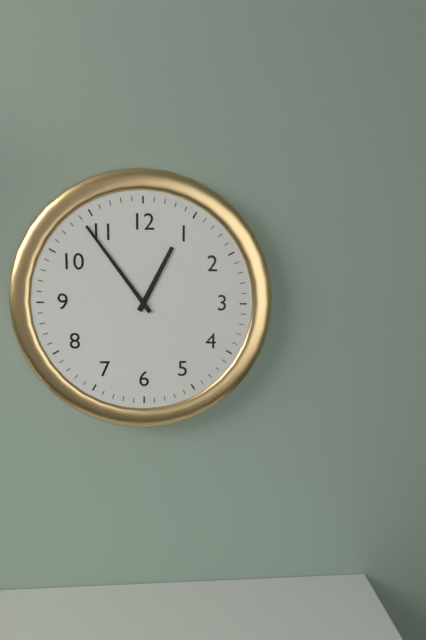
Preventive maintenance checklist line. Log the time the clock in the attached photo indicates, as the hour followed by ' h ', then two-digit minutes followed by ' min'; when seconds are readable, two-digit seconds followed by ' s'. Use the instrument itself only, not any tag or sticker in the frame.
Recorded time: 12 h 54 min
